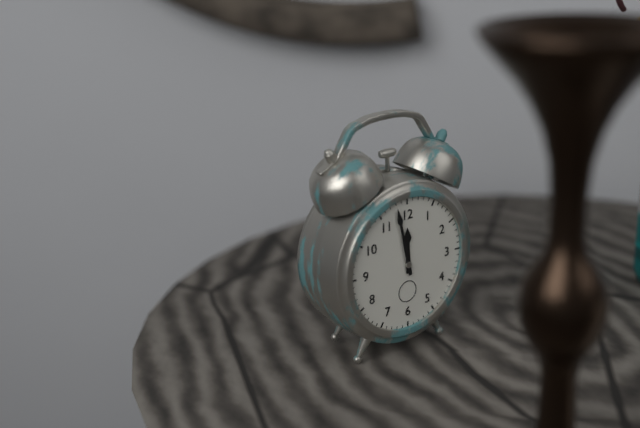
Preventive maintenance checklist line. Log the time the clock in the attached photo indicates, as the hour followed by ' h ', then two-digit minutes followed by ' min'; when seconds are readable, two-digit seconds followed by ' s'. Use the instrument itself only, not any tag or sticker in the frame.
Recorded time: 11 h 58 min
